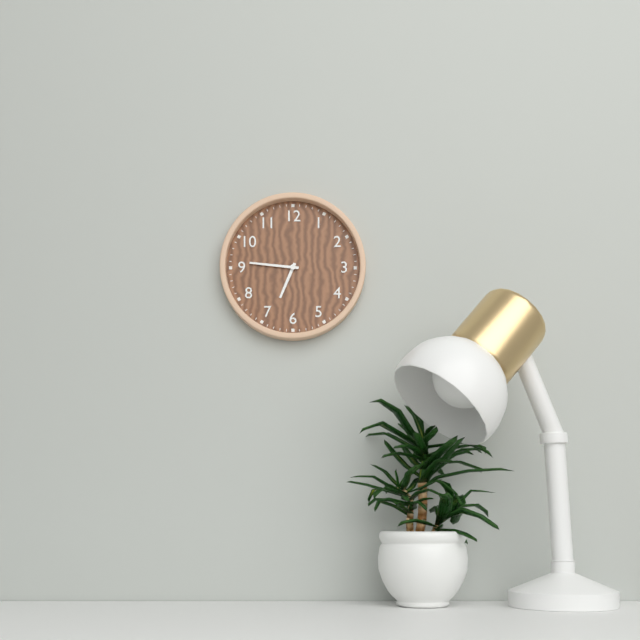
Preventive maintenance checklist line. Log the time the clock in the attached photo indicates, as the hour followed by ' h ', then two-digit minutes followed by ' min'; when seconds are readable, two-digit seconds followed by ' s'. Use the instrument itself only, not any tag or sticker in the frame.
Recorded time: 6 h 46 min
